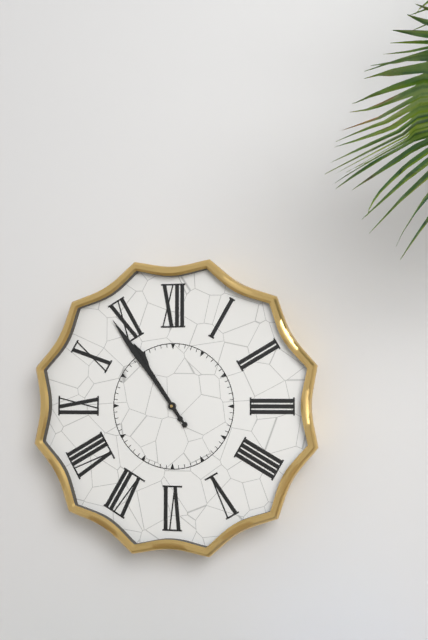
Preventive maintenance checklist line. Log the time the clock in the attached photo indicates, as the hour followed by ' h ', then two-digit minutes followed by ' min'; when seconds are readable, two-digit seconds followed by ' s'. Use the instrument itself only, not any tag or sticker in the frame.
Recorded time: 10 h 54 min
